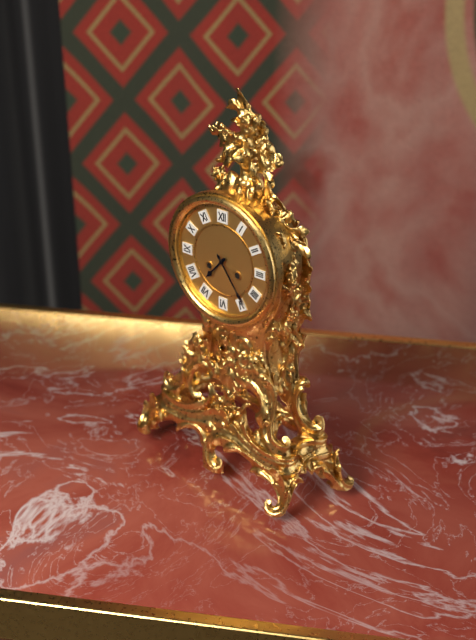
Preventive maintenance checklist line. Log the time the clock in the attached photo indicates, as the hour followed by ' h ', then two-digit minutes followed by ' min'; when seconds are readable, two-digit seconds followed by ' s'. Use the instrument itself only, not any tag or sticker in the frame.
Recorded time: 7 h 24 min
